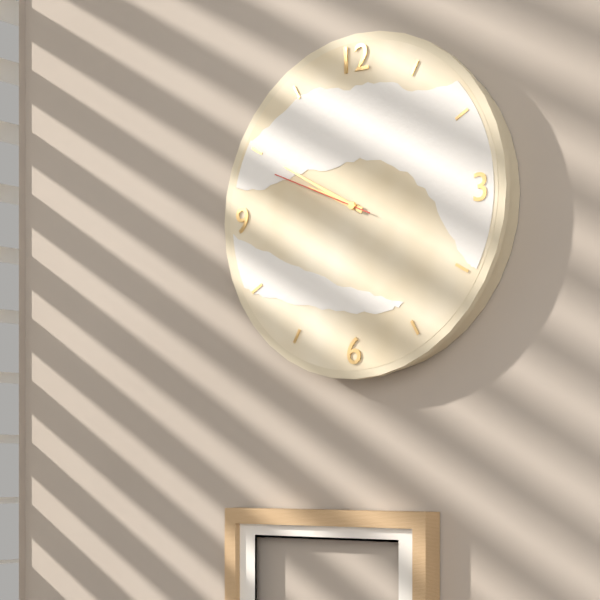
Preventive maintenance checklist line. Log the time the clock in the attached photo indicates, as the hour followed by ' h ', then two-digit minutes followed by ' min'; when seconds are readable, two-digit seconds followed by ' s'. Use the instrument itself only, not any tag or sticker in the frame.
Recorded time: 9 h 50 min 49 s
